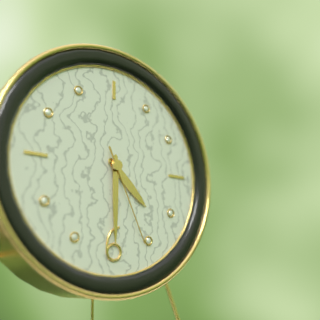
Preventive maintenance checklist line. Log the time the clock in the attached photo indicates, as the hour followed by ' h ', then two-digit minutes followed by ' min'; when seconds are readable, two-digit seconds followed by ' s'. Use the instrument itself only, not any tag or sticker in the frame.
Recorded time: 4 h 30 min 26 s
